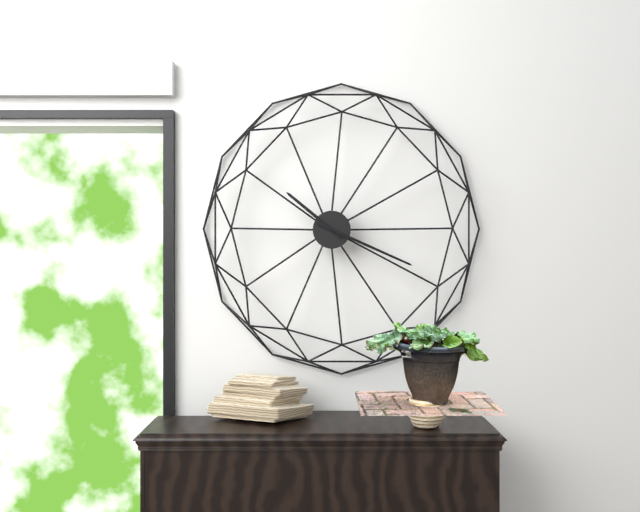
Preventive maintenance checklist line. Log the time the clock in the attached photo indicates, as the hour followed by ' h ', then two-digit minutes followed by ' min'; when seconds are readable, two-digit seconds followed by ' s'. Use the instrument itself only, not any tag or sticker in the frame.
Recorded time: 10 h 19 min
